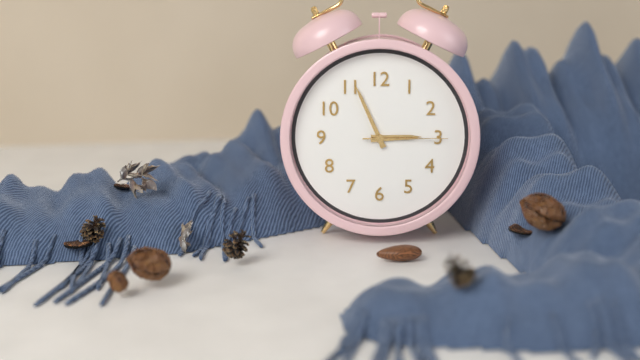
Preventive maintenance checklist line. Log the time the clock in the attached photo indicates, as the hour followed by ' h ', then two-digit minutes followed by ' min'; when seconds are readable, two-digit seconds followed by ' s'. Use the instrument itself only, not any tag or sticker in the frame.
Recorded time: 2 h 56 min 15 s
